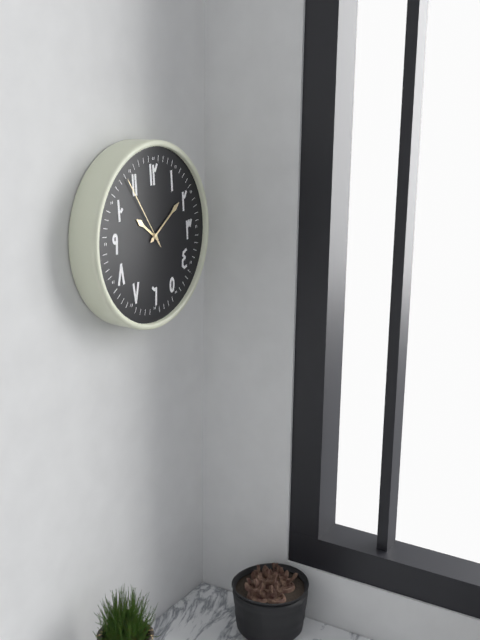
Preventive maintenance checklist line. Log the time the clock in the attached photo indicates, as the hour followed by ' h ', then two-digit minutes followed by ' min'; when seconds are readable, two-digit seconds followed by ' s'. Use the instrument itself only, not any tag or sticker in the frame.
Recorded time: 10 h 09 min 54 s
